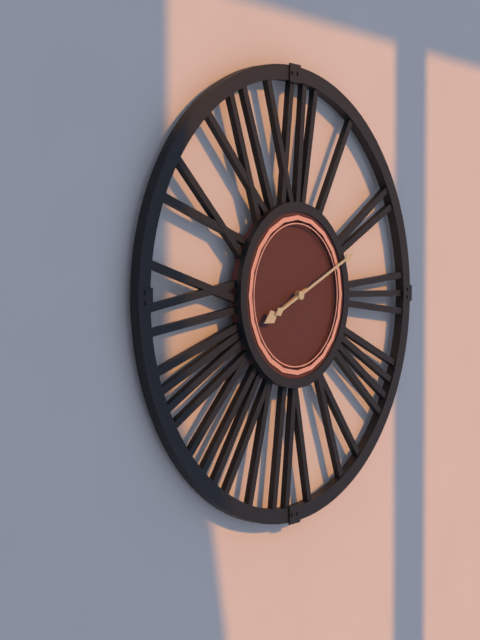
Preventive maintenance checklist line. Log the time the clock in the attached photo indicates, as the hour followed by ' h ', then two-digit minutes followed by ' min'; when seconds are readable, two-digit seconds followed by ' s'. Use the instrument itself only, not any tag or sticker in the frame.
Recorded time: 8 h 11 min
